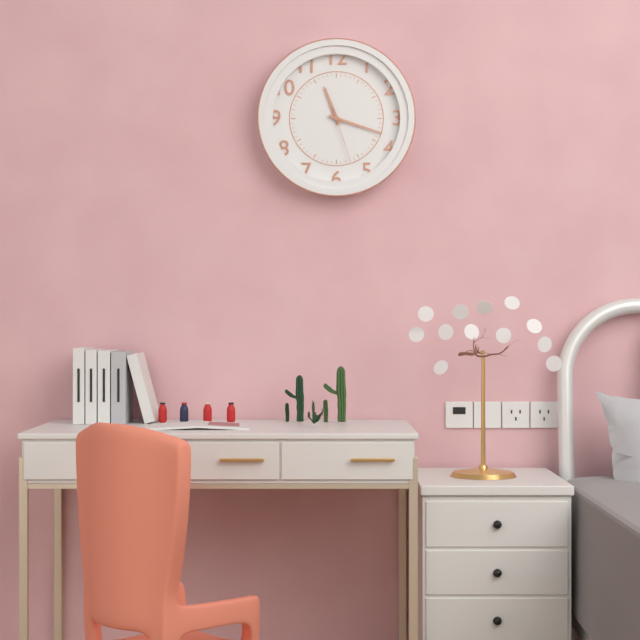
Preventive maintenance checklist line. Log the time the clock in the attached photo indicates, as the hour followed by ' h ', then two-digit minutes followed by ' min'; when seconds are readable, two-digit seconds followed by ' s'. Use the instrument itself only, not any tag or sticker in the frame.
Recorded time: 11 h 18 min 27 s
